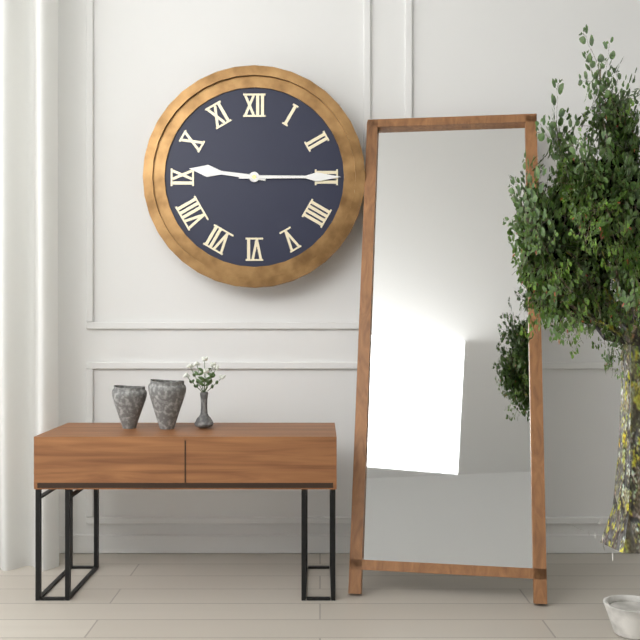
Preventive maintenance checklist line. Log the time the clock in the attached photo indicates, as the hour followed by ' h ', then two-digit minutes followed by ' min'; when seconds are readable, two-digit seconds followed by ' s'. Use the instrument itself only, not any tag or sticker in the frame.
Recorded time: 9 h 15 min
